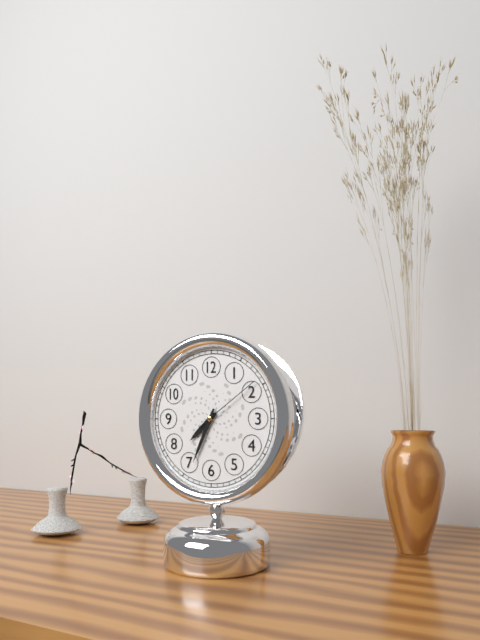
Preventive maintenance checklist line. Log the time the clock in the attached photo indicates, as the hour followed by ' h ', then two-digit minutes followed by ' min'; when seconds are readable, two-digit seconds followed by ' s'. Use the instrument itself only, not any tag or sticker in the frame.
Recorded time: 7 h 34 min 09 s
